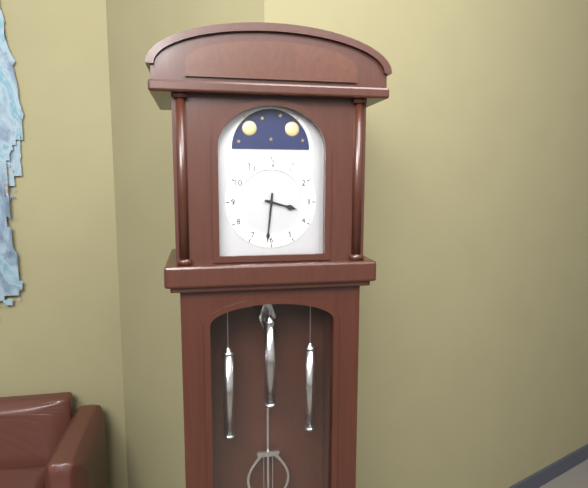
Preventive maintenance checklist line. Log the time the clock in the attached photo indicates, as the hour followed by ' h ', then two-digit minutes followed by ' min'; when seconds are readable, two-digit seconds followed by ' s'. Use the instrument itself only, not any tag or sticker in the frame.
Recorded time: 3 h 31 min
